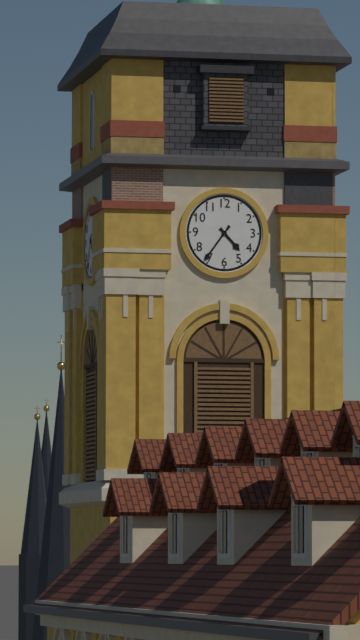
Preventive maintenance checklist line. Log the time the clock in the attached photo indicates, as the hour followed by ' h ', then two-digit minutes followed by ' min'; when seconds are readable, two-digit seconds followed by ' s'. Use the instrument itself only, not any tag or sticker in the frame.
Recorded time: 4 h 36 min
